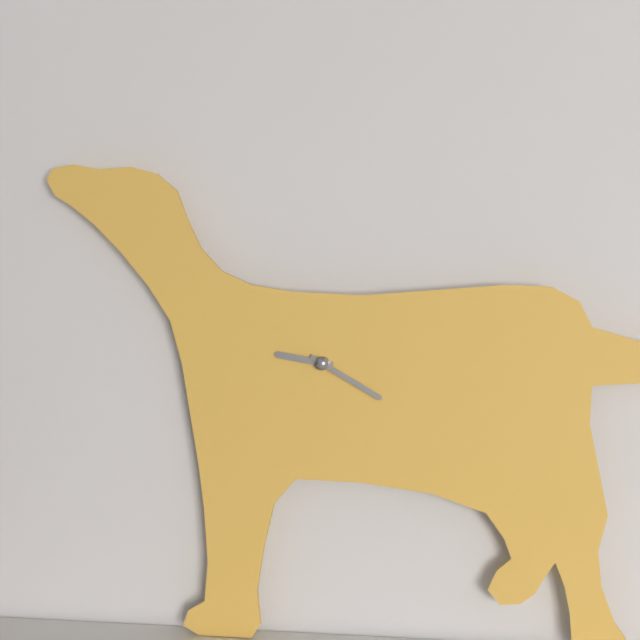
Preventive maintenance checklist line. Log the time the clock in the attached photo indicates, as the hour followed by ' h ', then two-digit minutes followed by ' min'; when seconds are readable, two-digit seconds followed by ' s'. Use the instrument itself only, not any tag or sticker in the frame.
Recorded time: 9 h 20 min
